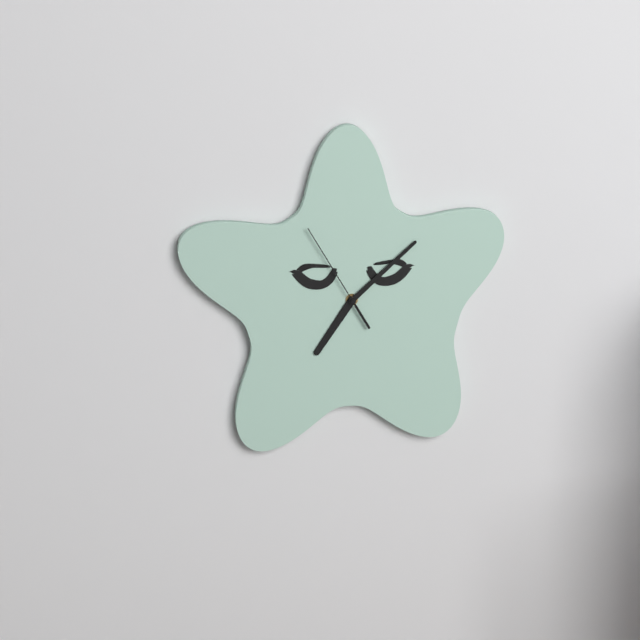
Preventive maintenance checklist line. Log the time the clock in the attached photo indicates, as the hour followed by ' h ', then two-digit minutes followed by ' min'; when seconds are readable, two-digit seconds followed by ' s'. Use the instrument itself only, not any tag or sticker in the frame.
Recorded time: 7 h 08 min 55 s
